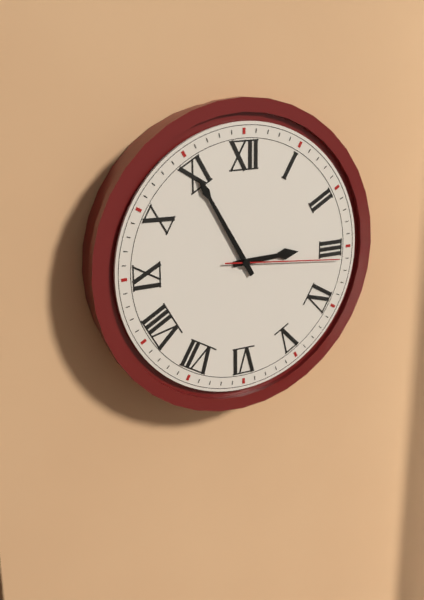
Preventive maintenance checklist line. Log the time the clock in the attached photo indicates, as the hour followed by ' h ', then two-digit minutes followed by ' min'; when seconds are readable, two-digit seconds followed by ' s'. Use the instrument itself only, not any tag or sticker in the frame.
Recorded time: 2 h 55 min 16 s
